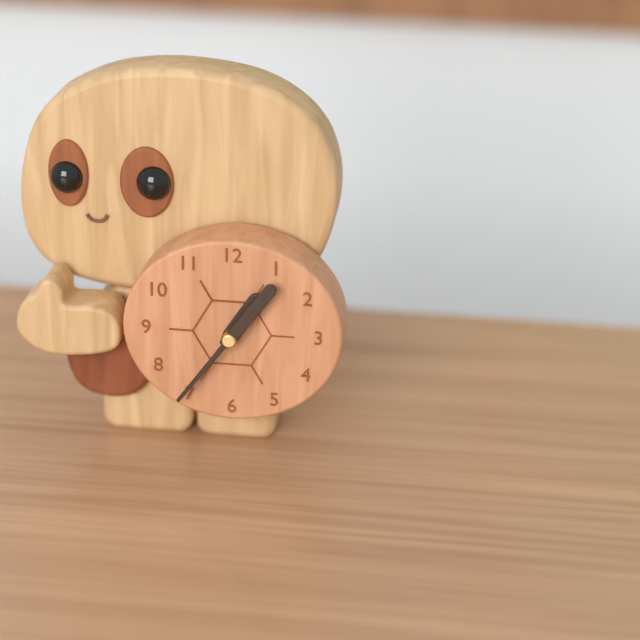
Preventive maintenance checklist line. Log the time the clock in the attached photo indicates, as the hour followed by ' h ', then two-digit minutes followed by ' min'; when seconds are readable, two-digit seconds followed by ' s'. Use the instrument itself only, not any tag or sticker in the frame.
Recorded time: 1 h 06 min
